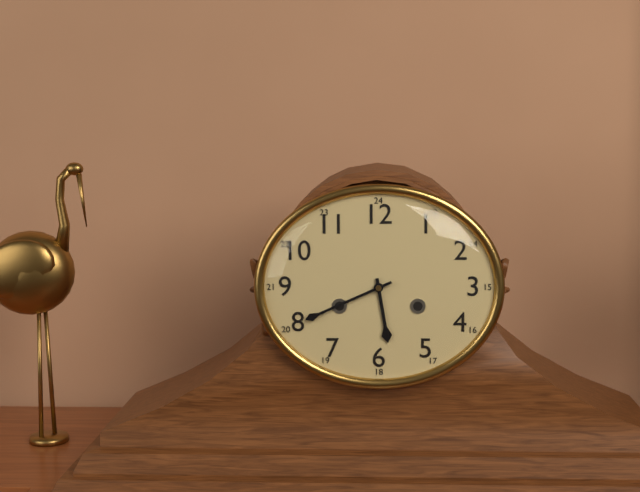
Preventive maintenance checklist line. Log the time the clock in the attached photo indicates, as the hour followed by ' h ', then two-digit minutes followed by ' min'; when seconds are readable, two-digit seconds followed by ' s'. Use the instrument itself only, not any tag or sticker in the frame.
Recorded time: 5 h 41 min
